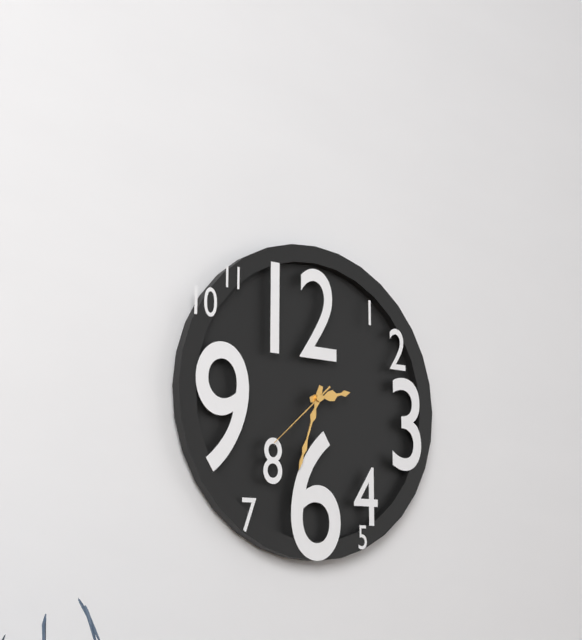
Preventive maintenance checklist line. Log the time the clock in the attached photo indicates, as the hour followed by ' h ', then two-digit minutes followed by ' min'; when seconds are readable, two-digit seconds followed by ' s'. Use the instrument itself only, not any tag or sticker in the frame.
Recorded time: 2 h 33 min 38 s
